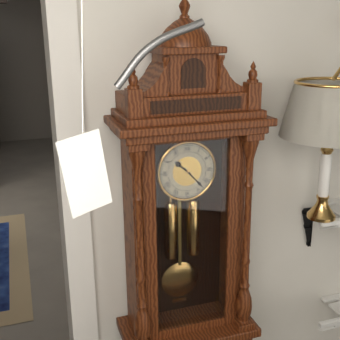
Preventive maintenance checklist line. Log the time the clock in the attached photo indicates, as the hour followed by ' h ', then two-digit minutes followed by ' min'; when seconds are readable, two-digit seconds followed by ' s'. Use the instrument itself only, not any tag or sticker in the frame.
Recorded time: 10 h 23 min
